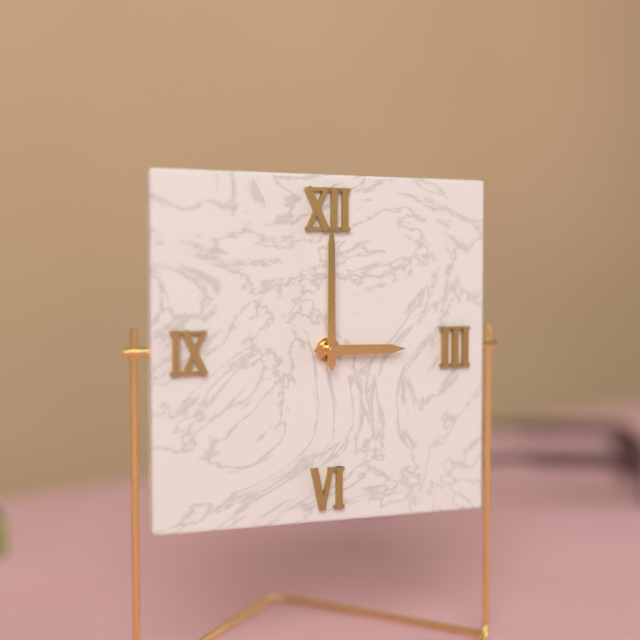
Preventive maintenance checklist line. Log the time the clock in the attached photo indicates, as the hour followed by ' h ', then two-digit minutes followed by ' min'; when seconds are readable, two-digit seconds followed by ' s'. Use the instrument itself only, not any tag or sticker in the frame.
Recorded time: 3 h 00 min
